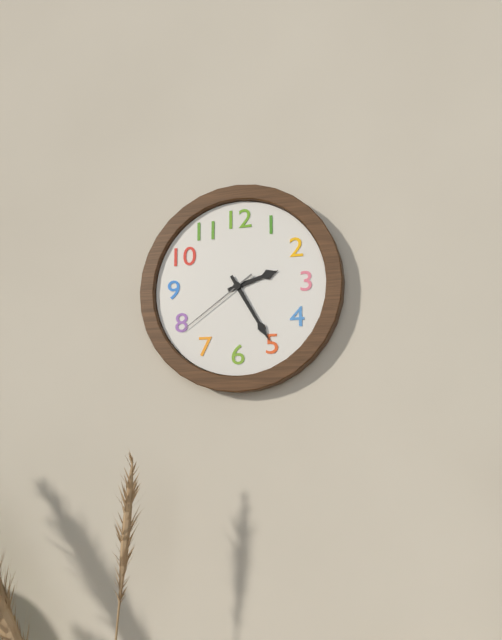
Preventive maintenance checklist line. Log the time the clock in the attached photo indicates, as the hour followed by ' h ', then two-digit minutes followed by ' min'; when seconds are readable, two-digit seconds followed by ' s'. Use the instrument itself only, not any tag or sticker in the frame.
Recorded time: 2 h 25 min 39 s
